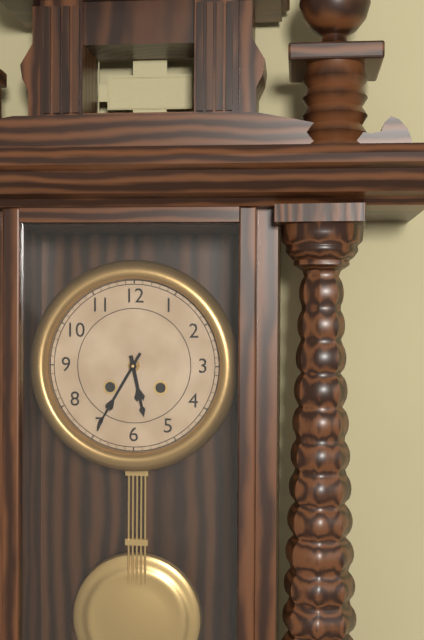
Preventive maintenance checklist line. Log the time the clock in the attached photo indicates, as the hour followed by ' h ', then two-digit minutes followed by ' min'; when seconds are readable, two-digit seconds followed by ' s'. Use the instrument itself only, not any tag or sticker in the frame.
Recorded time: 5 h 35 min
